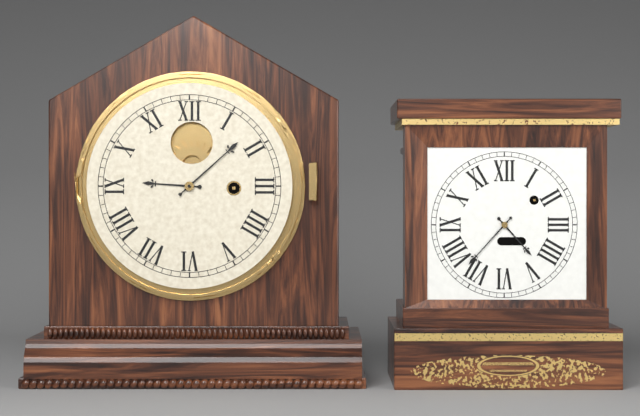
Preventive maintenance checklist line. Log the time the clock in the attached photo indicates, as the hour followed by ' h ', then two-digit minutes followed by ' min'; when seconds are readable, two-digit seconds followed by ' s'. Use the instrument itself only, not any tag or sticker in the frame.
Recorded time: 9 h 08 min
